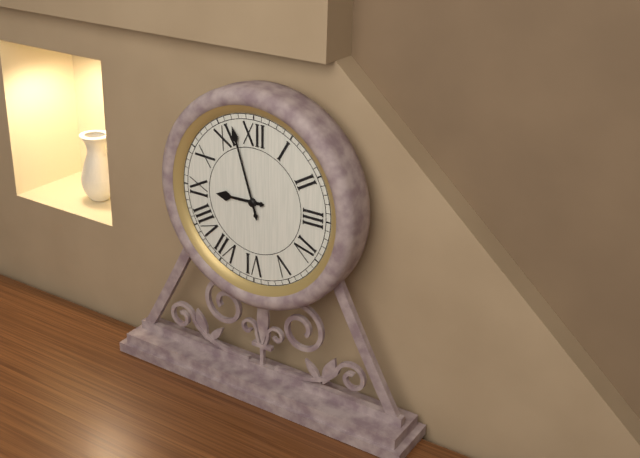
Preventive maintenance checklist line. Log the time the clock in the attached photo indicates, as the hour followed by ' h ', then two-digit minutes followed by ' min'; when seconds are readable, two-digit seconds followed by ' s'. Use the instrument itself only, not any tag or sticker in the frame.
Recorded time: 8 h 57 min
